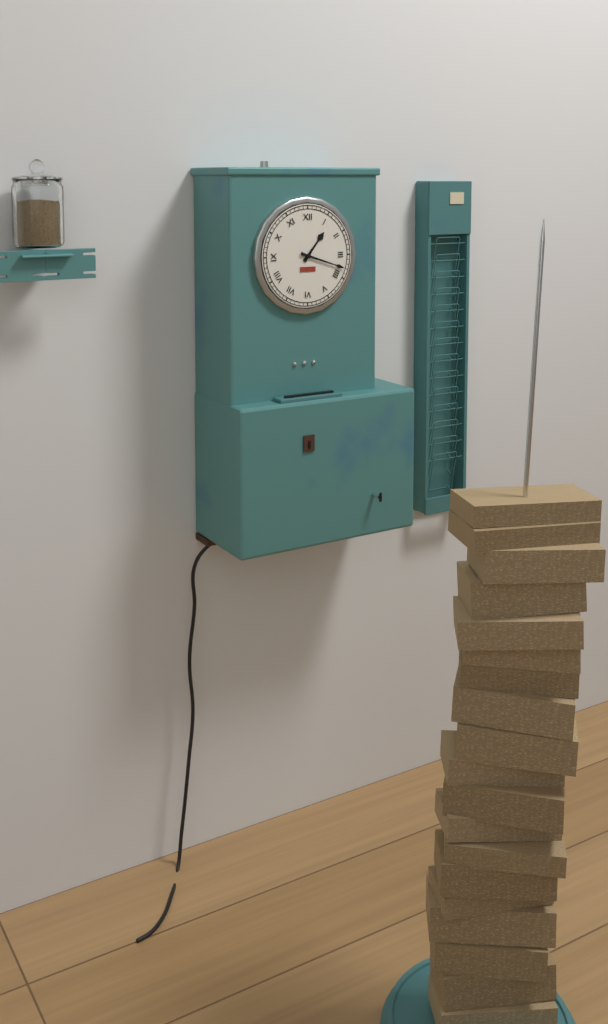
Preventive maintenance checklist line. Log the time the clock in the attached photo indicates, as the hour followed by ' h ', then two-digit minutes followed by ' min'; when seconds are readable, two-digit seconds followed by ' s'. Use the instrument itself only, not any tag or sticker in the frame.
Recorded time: 1 h 18 min
